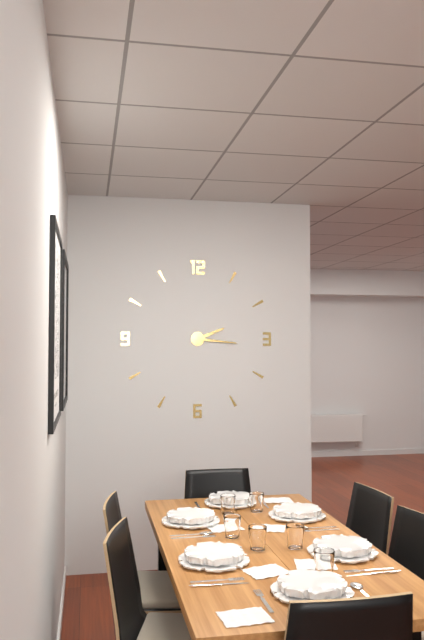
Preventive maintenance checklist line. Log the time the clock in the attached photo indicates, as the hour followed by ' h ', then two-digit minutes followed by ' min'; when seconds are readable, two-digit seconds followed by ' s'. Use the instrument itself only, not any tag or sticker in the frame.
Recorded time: 2 h 16 min
